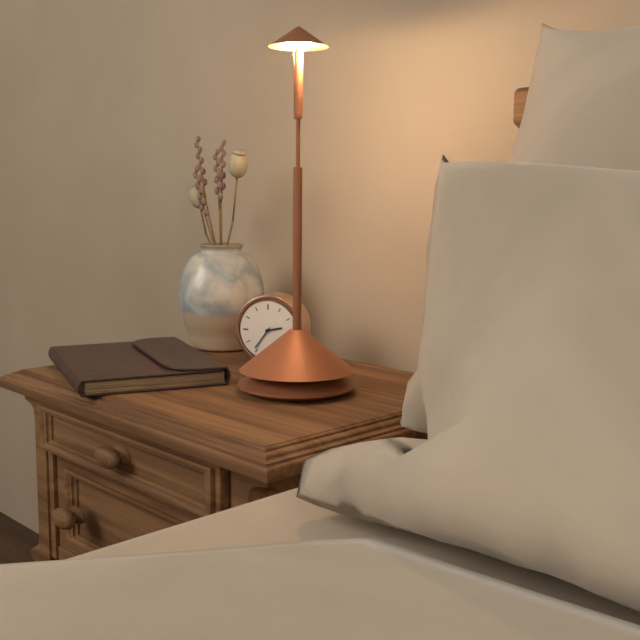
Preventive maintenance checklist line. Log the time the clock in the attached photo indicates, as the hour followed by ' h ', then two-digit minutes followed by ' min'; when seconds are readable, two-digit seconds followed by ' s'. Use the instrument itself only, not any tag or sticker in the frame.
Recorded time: 2 h 36 min
